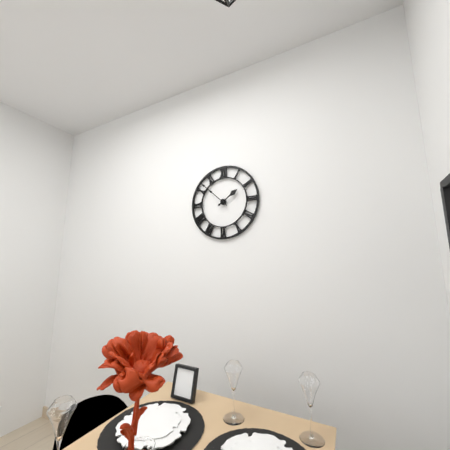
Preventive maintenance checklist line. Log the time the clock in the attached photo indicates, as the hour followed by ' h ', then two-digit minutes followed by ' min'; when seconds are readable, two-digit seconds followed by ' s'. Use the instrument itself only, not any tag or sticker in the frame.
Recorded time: 1 h 52 min
